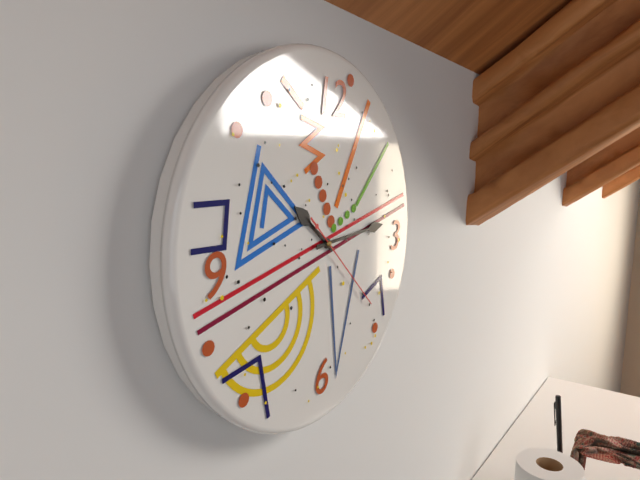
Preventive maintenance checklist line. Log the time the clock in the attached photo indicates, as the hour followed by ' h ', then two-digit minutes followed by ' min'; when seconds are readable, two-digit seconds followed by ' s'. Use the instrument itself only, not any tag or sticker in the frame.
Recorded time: 10 h 14 min 22 s
